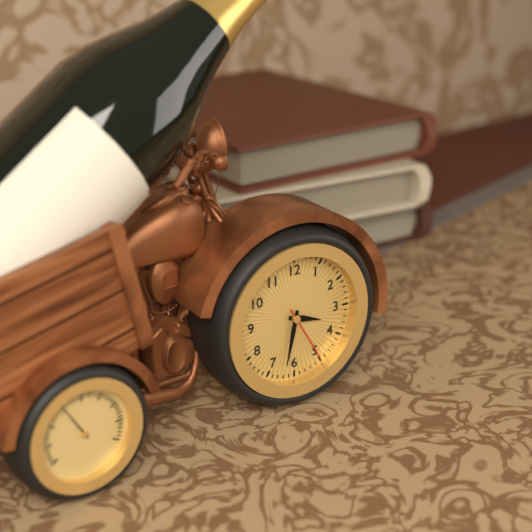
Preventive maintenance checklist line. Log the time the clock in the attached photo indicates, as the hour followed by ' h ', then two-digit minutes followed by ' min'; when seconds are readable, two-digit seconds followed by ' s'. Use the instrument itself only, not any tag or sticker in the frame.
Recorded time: 3 h 32 min 25 s
